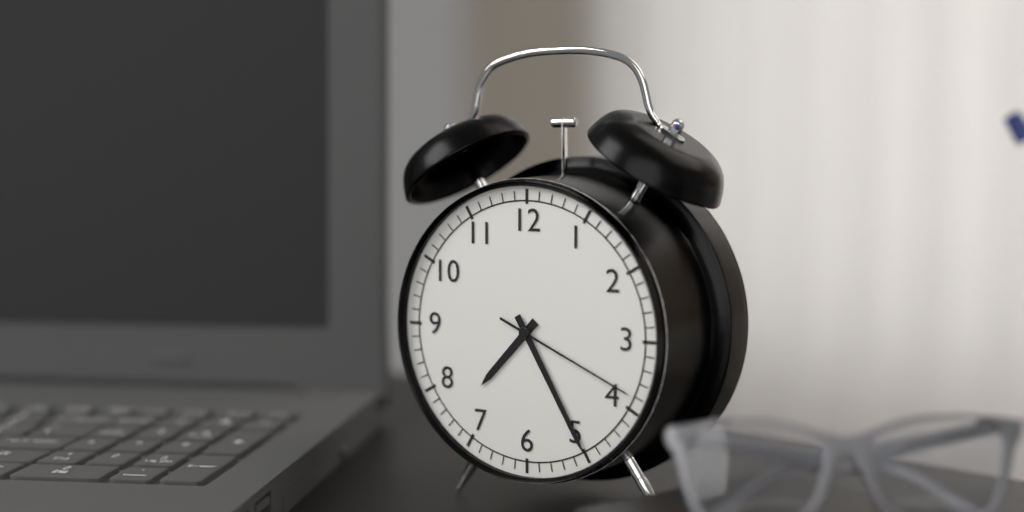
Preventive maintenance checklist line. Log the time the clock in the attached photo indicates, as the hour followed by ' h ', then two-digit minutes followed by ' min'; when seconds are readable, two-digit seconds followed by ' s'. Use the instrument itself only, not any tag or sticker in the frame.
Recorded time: 7 h 25 min 19 s
